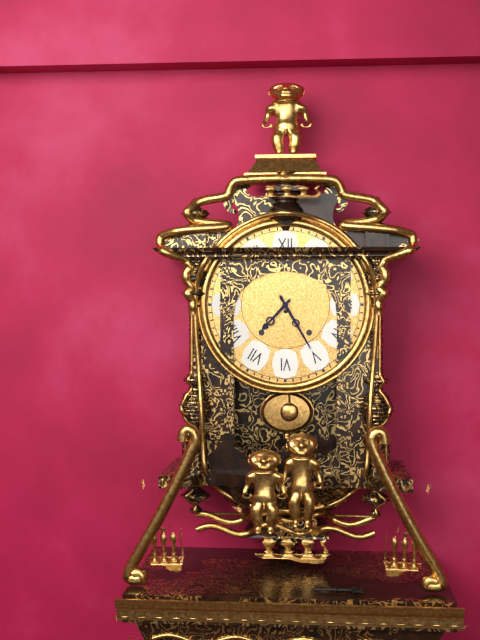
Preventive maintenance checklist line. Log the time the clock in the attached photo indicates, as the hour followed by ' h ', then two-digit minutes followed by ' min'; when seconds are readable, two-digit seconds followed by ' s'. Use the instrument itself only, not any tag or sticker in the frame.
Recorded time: 7 h 25 min
